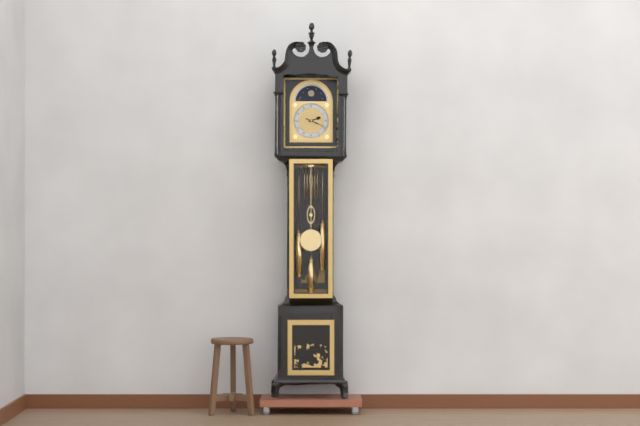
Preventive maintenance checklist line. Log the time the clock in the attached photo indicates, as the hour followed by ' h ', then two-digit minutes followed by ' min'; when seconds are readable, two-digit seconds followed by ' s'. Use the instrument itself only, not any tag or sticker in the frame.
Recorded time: 2 h 19 min
